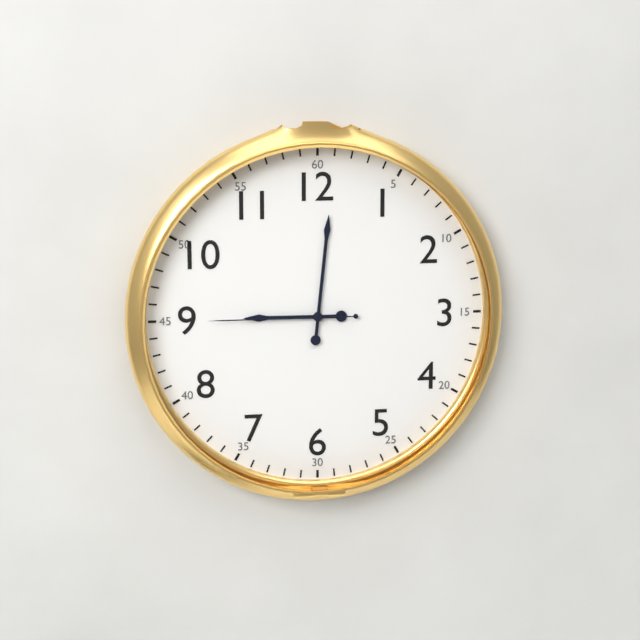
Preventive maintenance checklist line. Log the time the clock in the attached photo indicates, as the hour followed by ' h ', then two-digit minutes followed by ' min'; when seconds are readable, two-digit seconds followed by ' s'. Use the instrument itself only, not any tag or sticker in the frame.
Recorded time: 9 h 01 min 45 s
